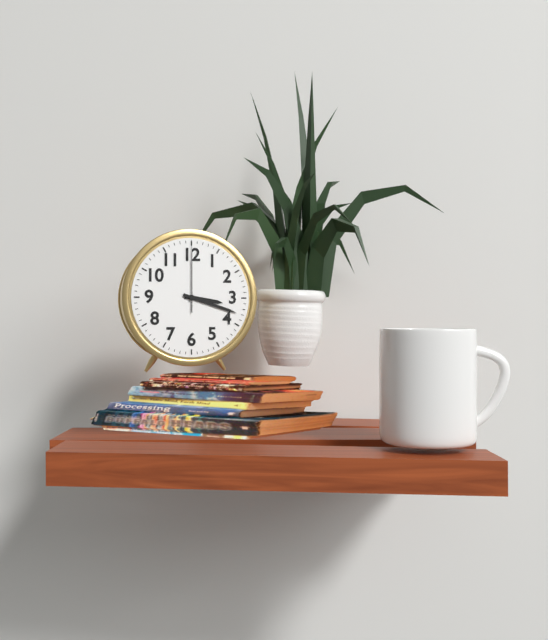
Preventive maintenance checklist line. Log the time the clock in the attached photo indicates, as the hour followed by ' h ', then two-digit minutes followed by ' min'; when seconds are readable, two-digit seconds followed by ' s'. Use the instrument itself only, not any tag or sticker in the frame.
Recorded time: 3 h 18 min 00 s
